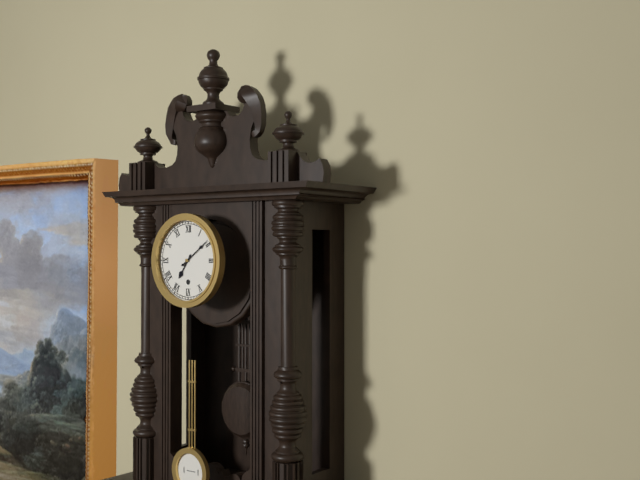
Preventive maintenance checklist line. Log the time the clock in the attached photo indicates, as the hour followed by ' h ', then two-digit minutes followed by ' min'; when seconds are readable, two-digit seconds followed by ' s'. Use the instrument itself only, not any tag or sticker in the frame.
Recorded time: 7 h 09 min
